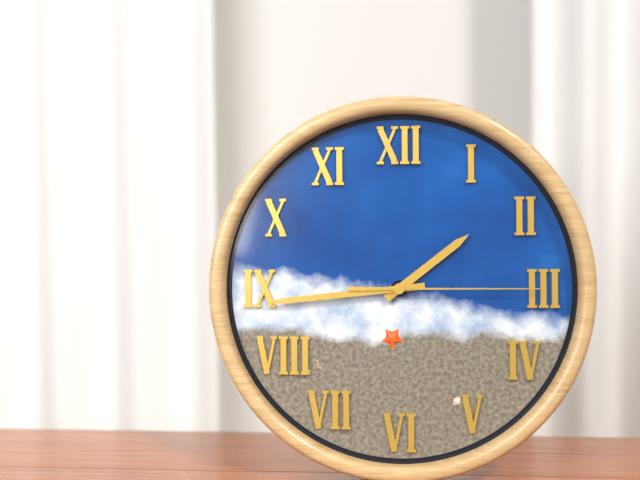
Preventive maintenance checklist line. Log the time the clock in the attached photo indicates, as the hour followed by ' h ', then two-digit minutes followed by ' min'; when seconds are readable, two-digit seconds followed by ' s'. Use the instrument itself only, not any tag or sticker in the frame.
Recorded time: 1 h 44 min 15 s
